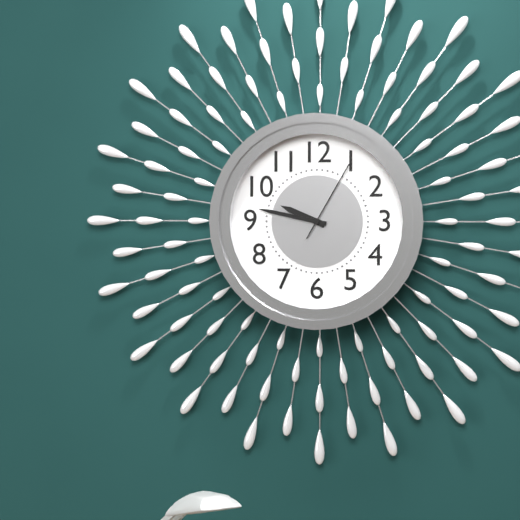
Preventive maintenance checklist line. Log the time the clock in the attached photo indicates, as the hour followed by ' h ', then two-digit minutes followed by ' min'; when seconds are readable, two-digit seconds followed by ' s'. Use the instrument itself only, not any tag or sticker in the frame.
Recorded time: 9 h 47 min 05 s
